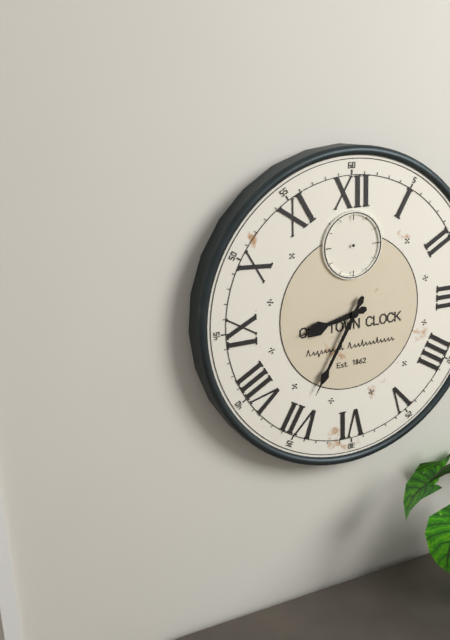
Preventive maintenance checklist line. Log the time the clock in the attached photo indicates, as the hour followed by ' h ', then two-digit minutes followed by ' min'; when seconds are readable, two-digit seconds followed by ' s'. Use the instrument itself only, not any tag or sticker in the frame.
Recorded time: 8 h 35 min
